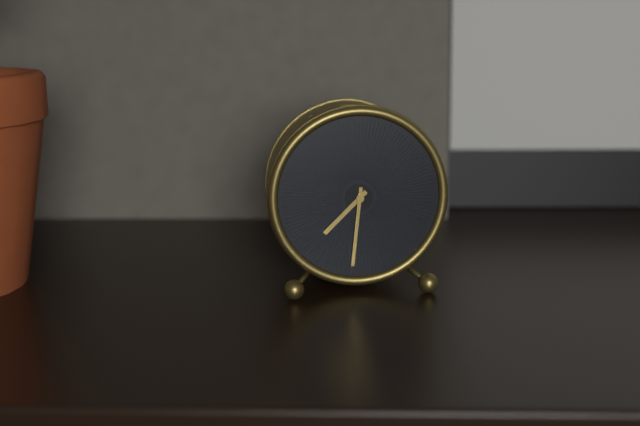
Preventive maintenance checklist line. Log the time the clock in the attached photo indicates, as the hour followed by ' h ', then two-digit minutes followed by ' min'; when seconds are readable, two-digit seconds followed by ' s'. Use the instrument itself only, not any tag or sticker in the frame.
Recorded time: 7 h 31 min
